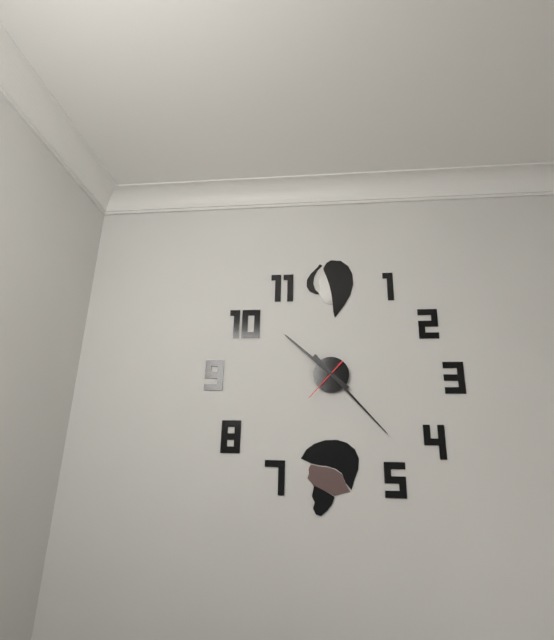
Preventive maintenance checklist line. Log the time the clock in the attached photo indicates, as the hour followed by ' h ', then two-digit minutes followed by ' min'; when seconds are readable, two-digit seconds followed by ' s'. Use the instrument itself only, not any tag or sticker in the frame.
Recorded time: 10 h 23 min
